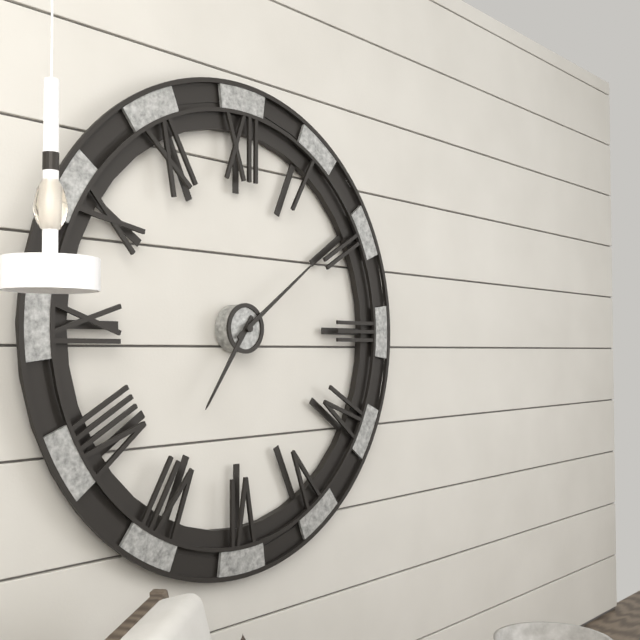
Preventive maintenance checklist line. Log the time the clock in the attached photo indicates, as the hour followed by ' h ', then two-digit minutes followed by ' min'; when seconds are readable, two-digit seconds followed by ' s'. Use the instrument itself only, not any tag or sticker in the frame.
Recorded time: 7 h 09 min
